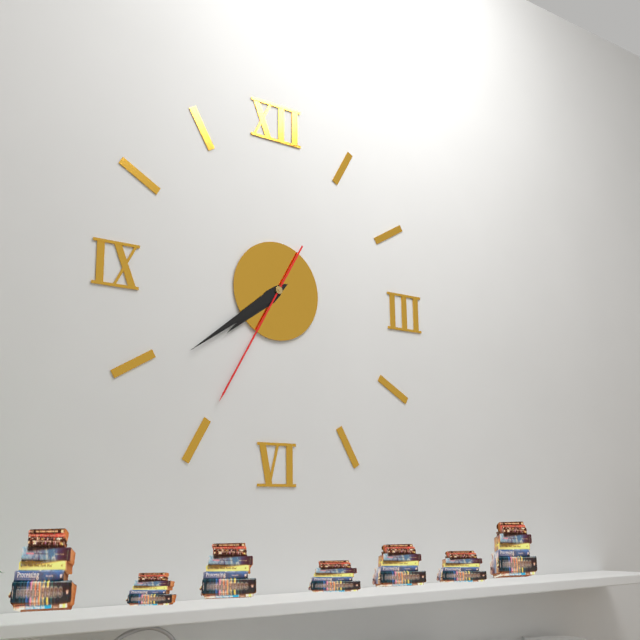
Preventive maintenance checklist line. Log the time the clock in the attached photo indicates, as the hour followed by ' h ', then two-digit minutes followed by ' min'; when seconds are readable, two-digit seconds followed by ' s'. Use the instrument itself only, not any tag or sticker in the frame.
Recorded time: 7 h 39 min 35 s
